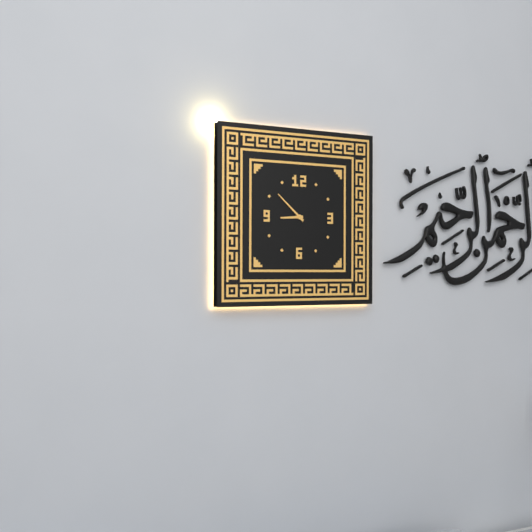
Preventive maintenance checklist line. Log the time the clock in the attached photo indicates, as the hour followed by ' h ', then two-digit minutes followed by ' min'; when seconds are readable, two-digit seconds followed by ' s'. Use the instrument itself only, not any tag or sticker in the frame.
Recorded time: 8 h 52 min
